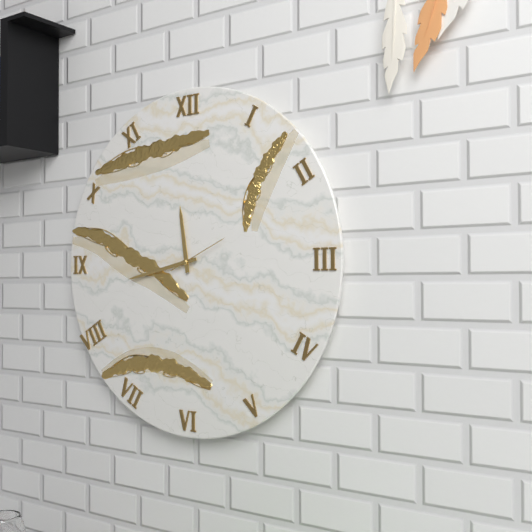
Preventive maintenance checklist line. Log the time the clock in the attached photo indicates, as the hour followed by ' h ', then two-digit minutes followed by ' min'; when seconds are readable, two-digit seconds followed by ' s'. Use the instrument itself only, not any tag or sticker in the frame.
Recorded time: 11 h 43 min
